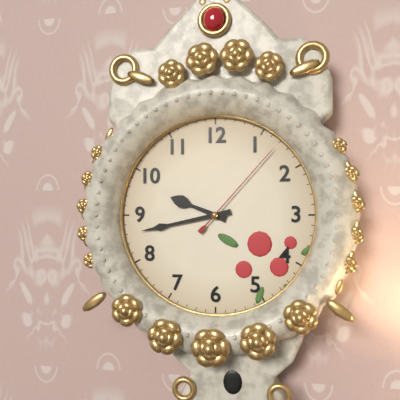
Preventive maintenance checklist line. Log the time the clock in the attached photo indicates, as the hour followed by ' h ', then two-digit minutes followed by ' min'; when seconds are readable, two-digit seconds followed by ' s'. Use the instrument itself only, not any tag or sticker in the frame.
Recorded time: 9 h 43 min 07 s
